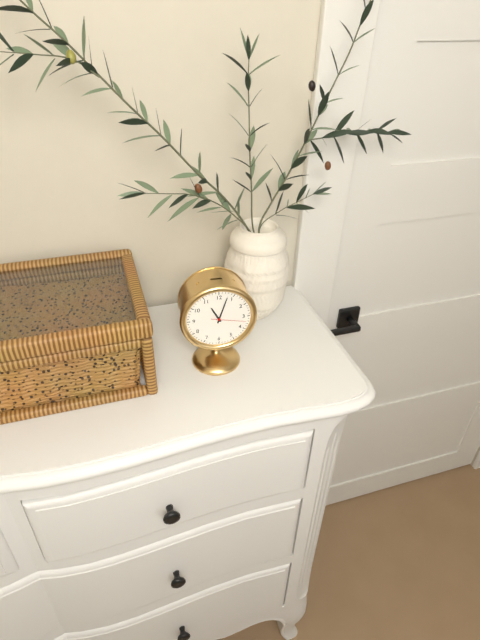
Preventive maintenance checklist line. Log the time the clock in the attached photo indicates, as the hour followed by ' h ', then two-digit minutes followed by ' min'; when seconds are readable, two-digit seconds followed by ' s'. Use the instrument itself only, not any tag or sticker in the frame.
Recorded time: 11 h 03 min
